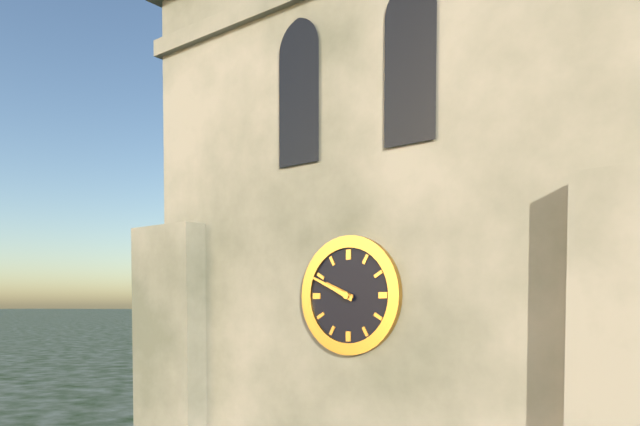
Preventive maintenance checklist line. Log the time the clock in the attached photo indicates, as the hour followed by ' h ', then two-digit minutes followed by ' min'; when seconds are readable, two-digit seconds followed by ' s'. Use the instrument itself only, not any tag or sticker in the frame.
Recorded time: 9 h 49 min
